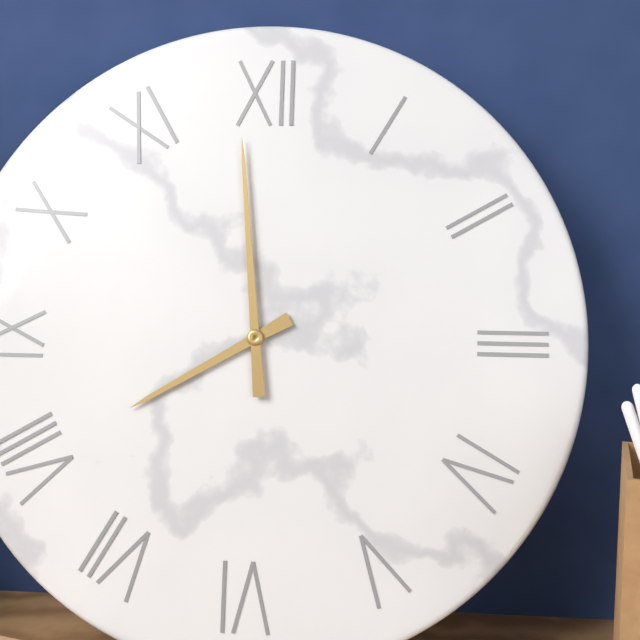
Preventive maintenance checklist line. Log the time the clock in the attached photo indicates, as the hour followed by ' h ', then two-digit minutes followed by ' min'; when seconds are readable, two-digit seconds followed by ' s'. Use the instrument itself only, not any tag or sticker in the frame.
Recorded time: 7 h 59 min
